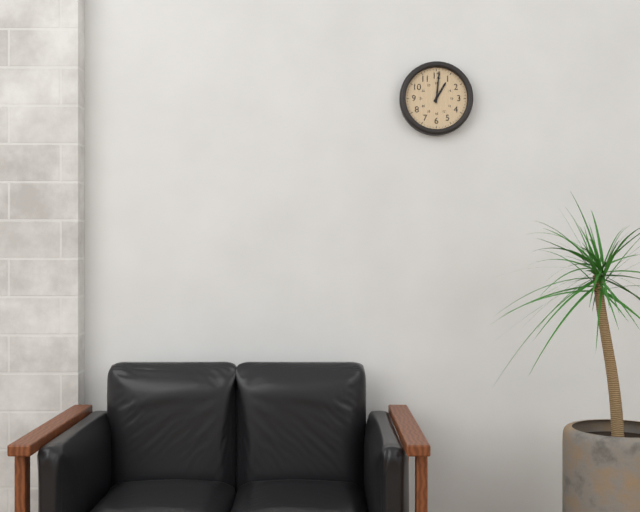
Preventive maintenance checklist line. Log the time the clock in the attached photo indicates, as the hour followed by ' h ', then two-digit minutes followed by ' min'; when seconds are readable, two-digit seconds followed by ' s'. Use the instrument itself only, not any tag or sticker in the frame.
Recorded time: 1 h 01 min
